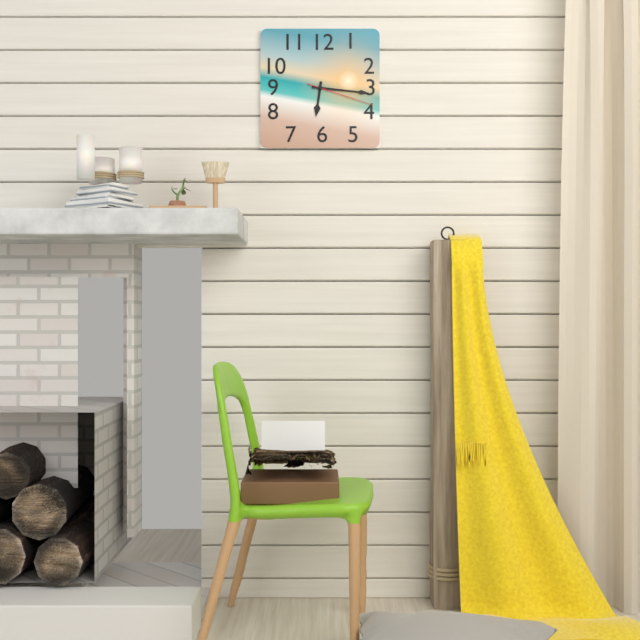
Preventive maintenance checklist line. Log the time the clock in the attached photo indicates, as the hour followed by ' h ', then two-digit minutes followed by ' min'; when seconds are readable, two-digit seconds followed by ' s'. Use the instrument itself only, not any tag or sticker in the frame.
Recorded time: 6 h 16 min 18 s
